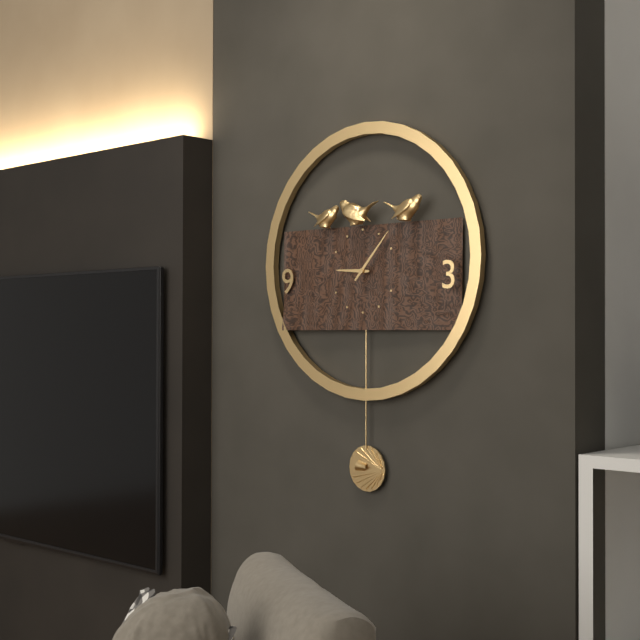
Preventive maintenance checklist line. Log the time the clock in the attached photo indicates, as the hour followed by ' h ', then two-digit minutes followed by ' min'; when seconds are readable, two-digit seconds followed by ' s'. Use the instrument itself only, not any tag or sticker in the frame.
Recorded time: 9 h 07 min
